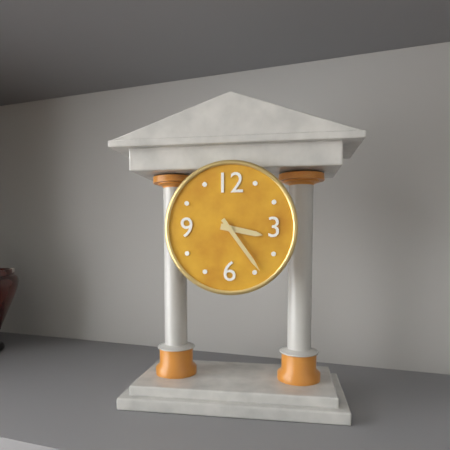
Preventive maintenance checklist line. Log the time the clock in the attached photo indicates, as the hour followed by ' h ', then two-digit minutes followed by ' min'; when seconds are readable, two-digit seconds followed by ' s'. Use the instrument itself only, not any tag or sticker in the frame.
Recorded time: 3 h 24 min
